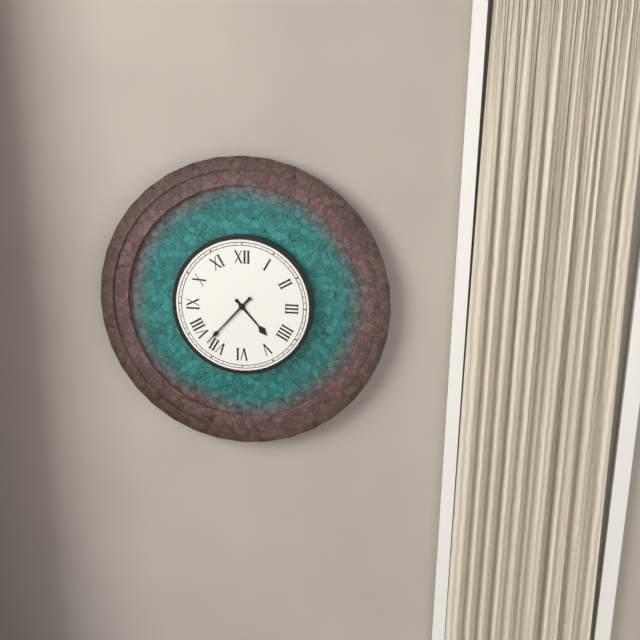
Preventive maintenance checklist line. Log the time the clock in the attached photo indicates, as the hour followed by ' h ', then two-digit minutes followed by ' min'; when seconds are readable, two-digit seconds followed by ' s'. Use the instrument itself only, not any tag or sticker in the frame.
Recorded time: 4 h 37 min
